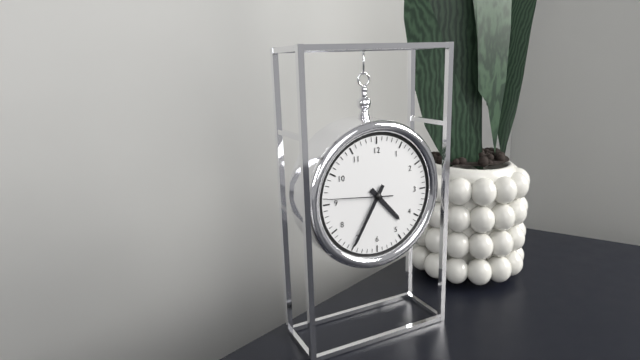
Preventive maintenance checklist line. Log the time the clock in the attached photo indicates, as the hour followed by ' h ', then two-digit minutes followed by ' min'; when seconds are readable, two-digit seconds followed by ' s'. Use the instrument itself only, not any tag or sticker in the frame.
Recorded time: 4 h 35 min 46 s
